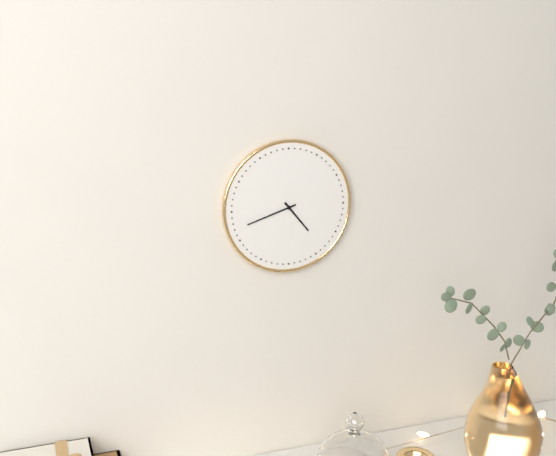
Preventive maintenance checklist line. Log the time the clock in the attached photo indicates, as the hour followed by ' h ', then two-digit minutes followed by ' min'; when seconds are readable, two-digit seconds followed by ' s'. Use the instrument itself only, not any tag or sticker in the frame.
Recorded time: 4 h 42 min
